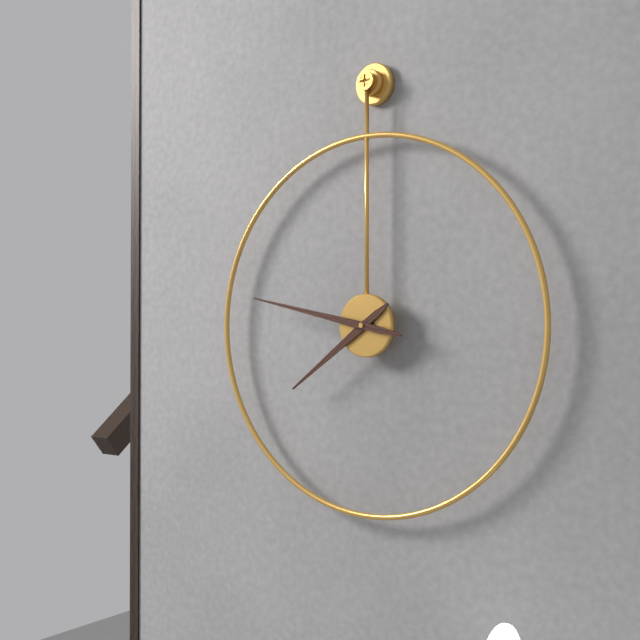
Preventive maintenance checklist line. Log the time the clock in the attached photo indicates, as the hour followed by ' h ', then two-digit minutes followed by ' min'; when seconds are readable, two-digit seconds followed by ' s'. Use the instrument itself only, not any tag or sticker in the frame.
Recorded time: 7 h 47 min
